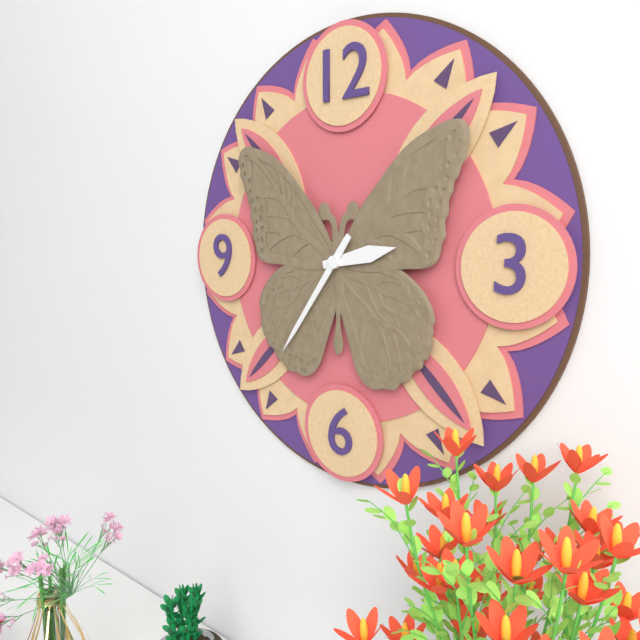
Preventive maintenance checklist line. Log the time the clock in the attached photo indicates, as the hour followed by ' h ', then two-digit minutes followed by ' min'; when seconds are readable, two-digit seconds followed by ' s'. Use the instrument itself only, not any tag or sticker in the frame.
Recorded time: 2 h 36 min
